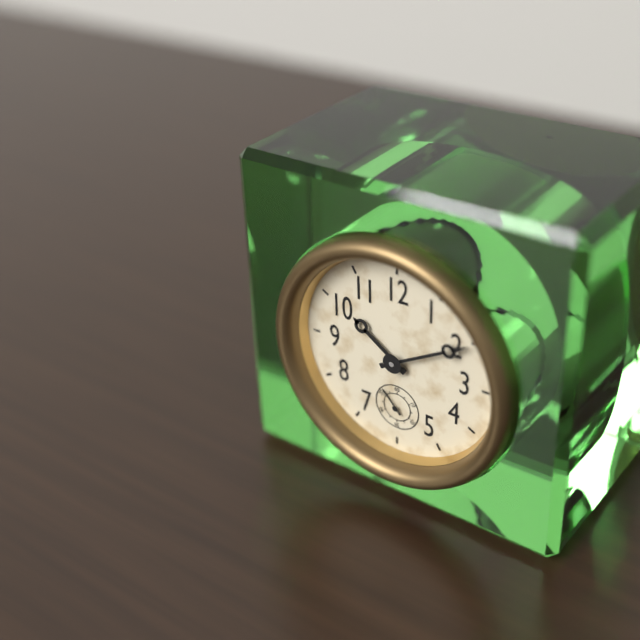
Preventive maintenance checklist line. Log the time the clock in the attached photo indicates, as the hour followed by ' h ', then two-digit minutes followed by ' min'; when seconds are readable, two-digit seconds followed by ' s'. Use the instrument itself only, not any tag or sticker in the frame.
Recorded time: 10 h 10 min
